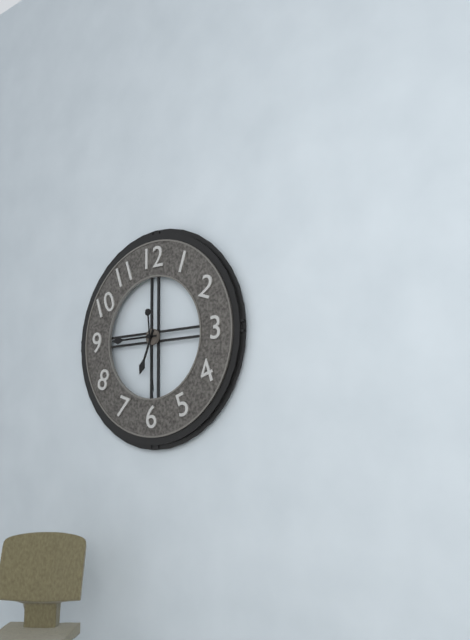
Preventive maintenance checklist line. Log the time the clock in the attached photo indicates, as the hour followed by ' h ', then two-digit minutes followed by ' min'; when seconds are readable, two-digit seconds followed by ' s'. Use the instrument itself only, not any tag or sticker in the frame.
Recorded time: 6 h 45 min 29 s
